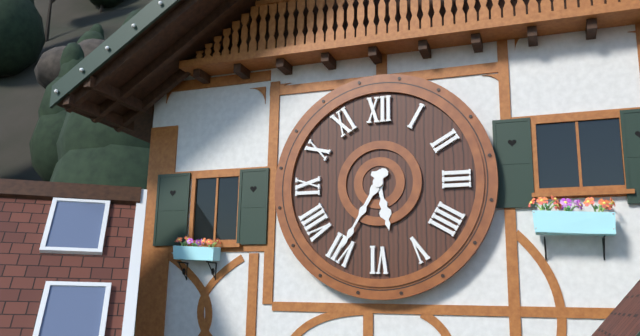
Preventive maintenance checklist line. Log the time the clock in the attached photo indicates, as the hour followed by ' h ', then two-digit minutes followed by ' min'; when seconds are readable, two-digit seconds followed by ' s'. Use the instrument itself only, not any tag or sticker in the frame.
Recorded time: 5 h 35 min
